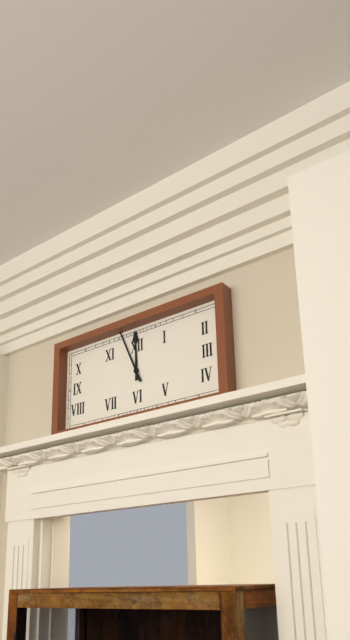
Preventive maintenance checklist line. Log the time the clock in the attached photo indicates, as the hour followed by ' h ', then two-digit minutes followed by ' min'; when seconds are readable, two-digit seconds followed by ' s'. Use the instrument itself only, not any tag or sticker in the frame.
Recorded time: 11 h 56 min
